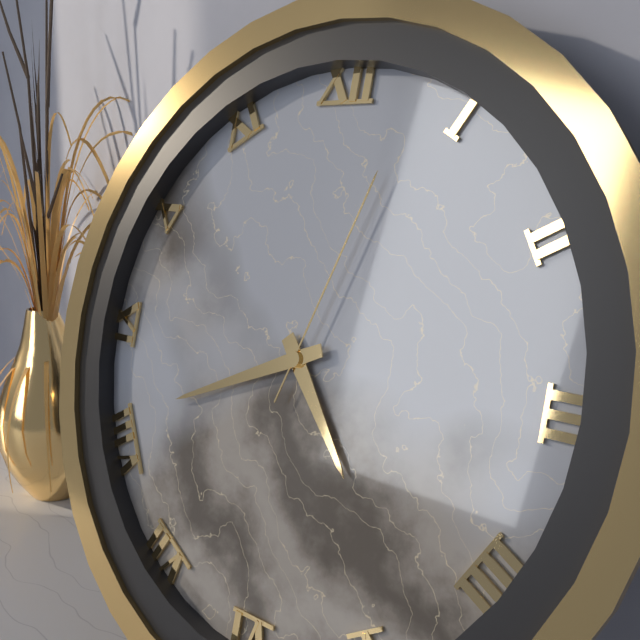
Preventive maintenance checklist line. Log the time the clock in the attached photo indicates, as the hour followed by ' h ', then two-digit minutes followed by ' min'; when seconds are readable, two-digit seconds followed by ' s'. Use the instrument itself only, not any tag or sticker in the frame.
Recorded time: 4 h 41 min 03 s
